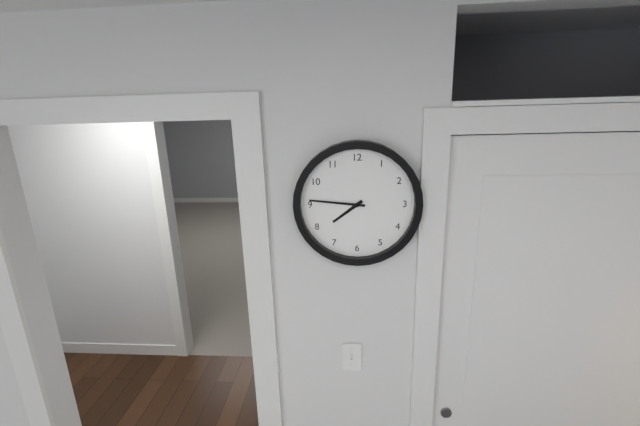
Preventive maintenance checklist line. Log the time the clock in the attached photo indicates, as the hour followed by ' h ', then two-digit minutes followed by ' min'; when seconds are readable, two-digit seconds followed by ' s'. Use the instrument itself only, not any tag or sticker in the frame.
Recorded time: 7 h 46 min
